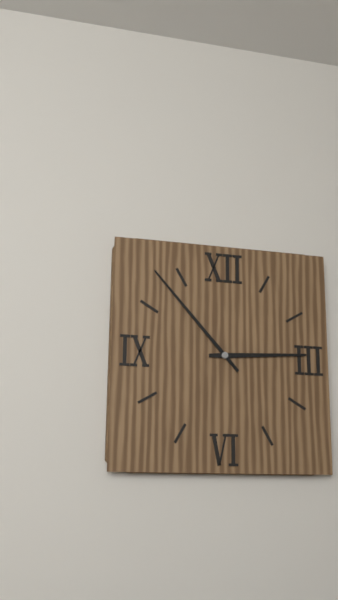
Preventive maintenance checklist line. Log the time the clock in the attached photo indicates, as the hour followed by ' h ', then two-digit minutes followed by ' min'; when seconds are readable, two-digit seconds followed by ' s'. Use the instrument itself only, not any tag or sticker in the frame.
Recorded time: 2 h 53 min
